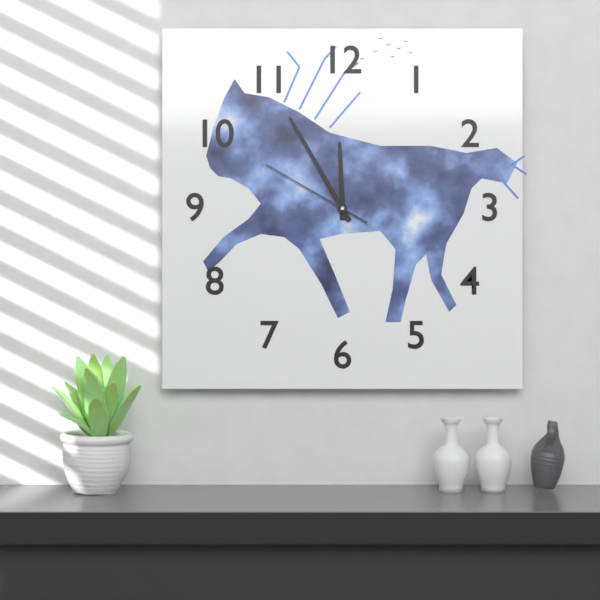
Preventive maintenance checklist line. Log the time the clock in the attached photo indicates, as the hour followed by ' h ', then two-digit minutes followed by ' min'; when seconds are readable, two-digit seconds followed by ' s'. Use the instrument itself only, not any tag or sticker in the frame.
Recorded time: 11 h 55 min 50 s
